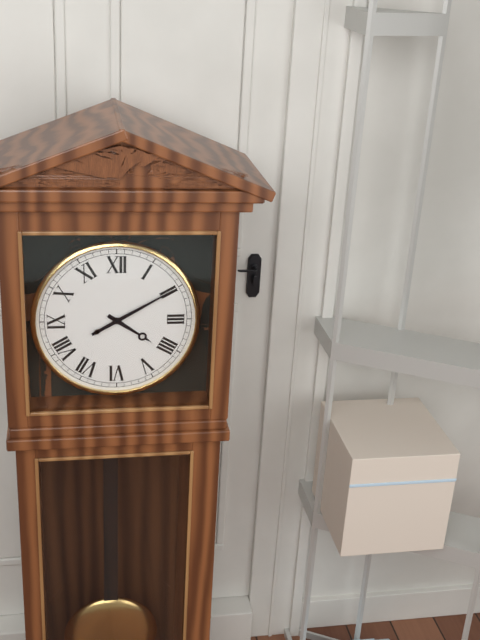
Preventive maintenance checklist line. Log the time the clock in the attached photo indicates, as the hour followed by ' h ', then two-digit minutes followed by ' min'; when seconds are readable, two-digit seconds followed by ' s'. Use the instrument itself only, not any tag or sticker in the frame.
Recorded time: 4 h 10 min
